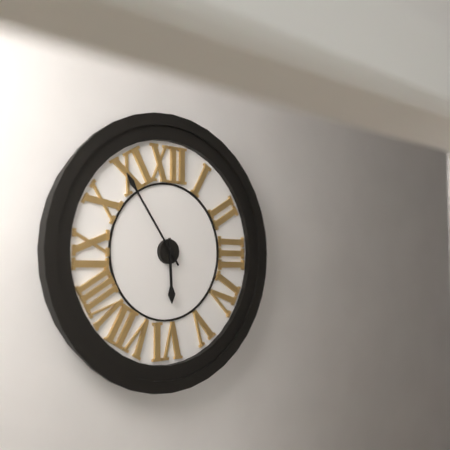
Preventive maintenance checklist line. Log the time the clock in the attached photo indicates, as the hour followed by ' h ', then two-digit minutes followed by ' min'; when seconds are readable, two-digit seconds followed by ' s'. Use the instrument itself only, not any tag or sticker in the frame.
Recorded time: 5 h 54 min
